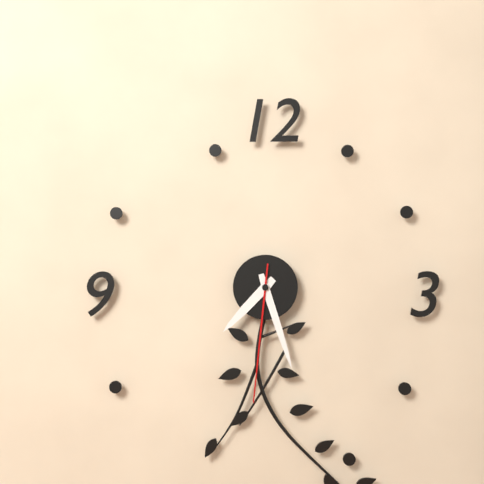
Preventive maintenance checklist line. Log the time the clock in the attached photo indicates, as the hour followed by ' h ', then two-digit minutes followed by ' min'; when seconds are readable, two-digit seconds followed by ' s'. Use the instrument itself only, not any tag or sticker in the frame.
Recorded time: 7 h 27 min 31 s
